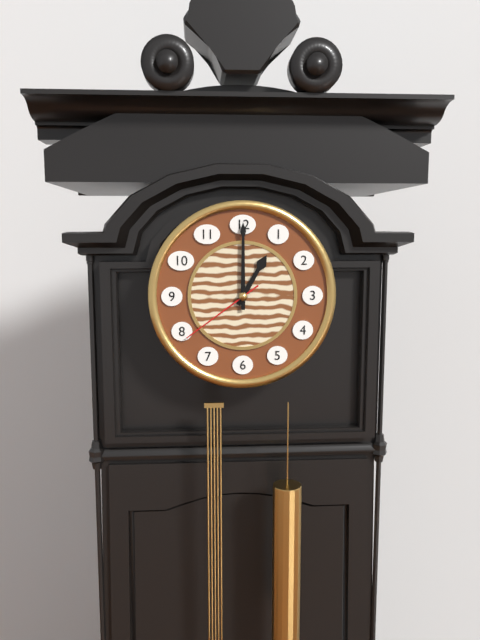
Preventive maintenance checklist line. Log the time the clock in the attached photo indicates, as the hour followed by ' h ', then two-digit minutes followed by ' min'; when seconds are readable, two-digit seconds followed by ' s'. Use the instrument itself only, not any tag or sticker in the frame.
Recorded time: 1 h 00 min 39 s
